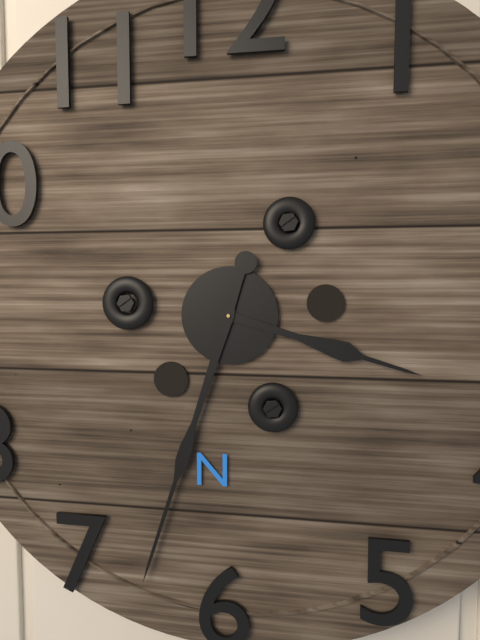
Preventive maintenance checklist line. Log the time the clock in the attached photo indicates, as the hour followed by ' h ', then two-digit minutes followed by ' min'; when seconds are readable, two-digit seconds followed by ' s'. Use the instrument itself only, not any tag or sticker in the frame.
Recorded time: 3 h 33 min
